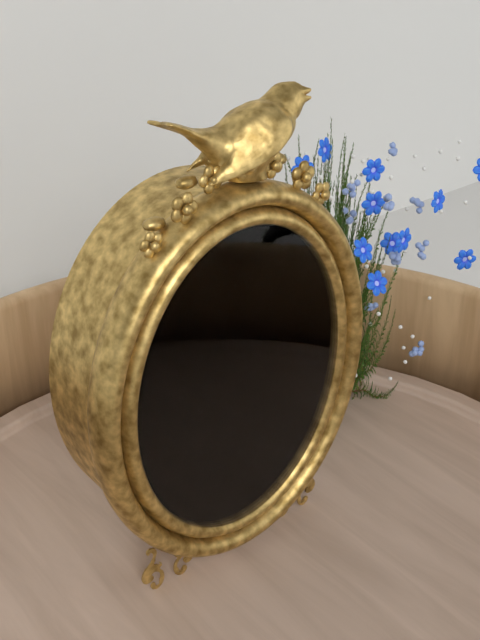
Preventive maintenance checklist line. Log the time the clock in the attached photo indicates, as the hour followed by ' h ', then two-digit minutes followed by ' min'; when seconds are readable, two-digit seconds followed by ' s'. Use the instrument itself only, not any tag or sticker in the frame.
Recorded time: 5 h 18 min 25 s
